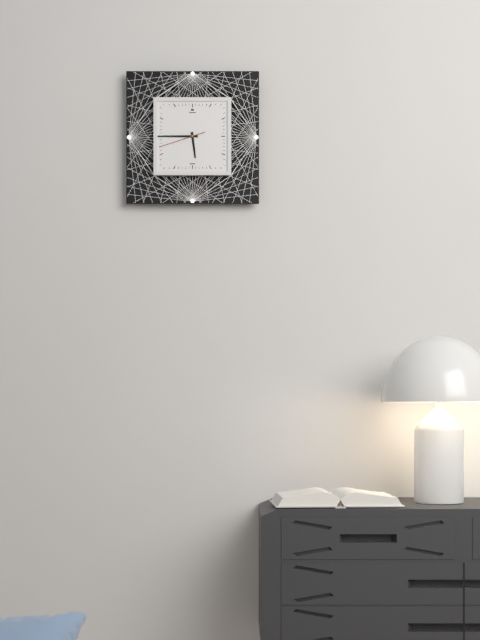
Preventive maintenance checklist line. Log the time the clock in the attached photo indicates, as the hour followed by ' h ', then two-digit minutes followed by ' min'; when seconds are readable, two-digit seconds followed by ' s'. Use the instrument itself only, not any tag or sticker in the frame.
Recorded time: 5 h 45 min
